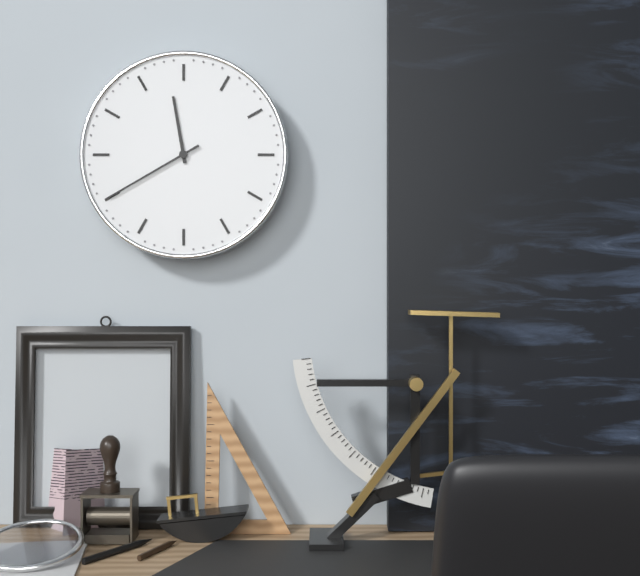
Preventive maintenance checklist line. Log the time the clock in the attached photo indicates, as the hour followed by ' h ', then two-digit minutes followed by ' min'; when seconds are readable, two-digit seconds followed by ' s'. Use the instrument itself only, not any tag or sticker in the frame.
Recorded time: 11 h 40 min
